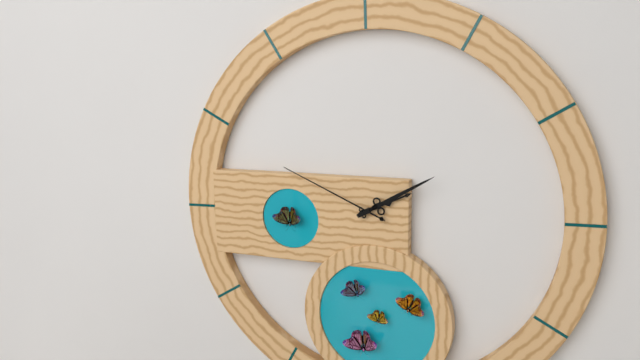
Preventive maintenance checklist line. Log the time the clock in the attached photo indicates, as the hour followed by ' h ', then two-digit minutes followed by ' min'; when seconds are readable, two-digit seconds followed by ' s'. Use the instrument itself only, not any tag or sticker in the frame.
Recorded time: 2 h 10 min 49 s
